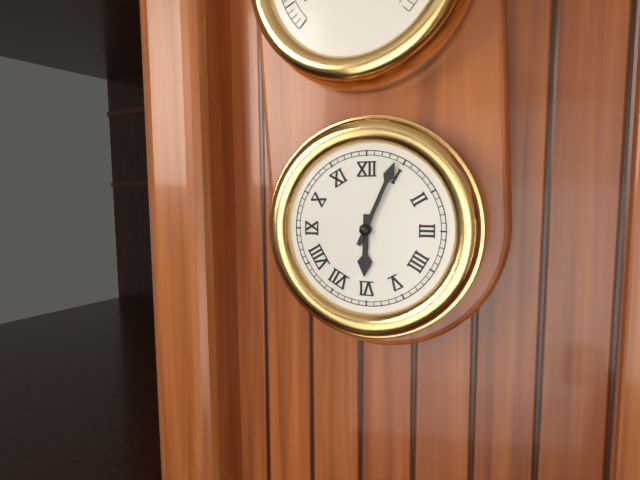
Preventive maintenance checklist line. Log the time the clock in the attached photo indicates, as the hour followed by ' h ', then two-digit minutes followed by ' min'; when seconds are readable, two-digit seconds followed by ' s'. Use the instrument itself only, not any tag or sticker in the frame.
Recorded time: 6 h 04 min
